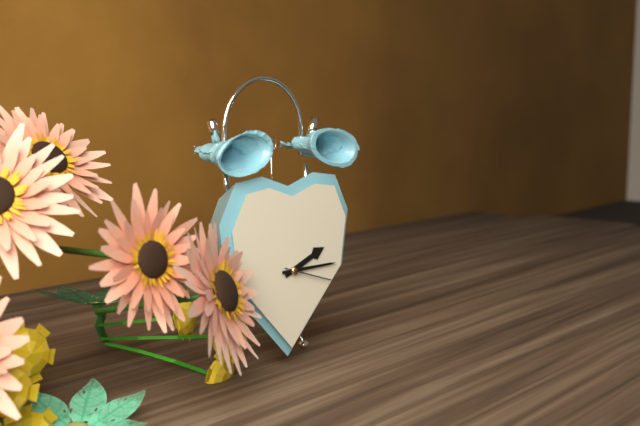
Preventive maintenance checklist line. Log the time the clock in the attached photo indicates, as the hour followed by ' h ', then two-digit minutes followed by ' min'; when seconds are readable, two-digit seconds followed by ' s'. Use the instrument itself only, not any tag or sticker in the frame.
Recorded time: 2 h 15 min 18 s
